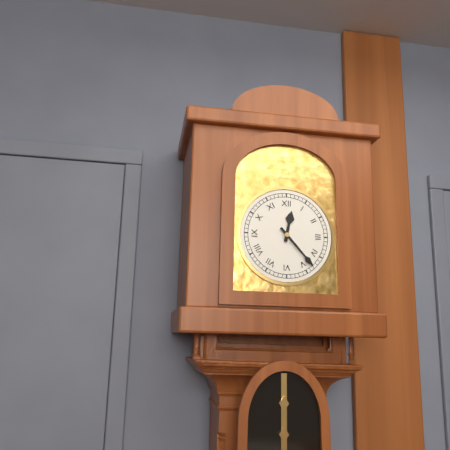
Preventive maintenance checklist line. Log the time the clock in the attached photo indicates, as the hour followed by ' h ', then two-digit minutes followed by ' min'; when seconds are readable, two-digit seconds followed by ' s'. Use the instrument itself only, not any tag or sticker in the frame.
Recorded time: 12 h 23 min
